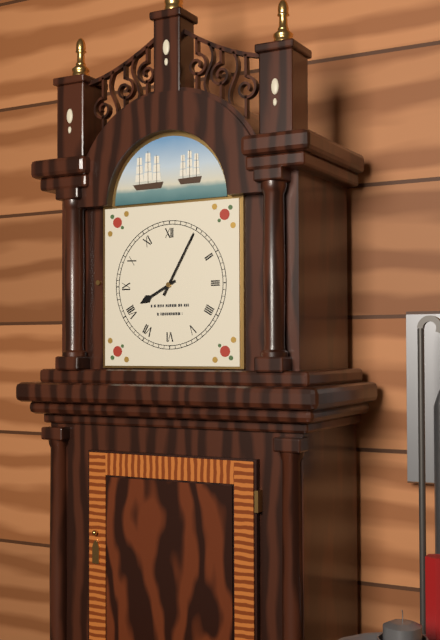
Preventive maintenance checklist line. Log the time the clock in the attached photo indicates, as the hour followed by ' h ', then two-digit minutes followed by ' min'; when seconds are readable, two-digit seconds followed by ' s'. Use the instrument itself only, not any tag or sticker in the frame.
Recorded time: 8 h 05 min
